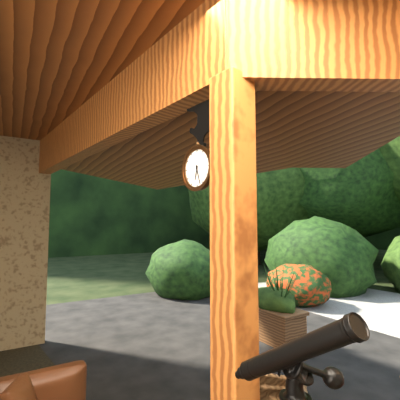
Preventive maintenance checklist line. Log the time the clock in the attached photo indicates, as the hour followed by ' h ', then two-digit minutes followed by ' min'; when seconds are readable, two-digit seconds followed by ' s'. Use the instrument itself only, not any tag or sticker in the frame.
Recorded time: 6 h 27 min
